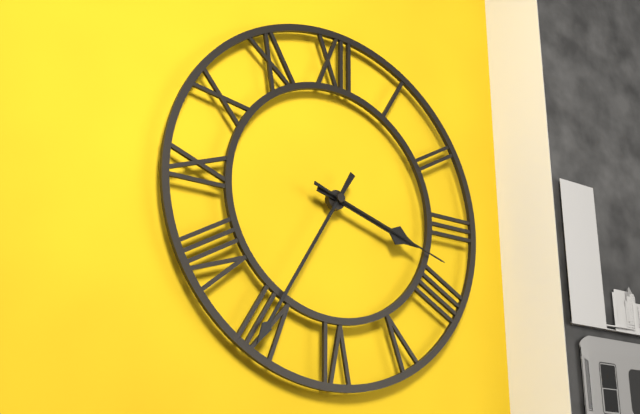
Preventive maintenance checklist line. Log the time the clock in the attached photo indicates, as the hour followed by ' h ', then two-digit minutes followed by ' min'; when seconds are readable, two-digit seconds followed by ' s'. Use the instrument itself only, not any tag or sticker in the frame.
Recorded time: 3 h 35 min 18 s
